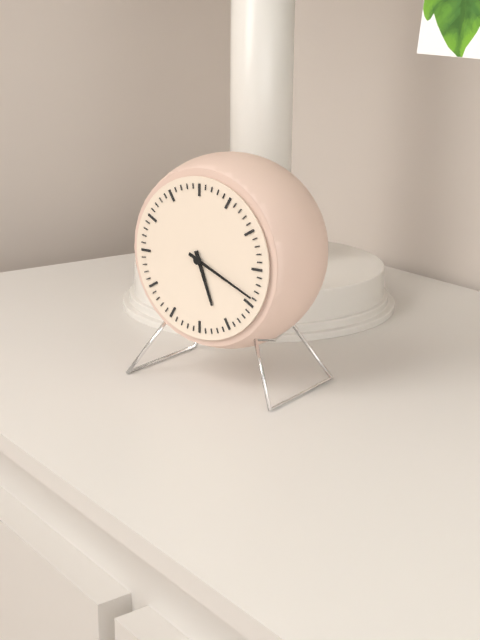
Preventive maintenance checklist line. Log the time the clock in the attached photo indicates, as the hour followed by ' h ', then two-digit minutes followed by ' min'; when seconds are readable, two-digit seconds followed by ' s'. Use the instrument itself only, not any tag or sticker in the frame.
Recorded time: 5 h 19 min
